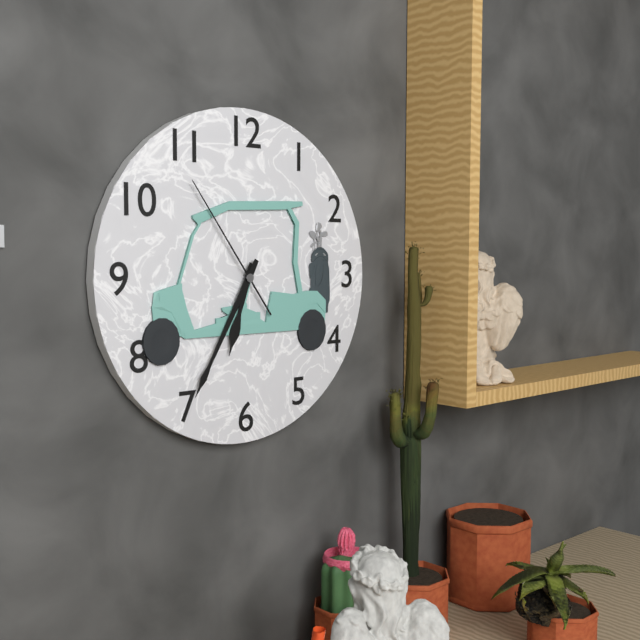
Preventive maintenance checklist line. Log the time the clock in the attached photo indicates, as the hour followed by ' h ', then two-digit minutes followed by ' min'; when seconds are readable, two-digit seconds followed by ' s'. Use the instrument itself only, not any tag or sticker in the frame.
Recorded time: 6 h 35 min 54 s
